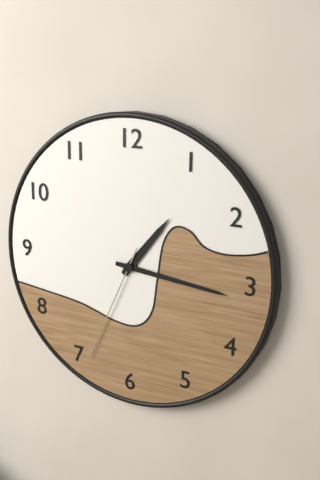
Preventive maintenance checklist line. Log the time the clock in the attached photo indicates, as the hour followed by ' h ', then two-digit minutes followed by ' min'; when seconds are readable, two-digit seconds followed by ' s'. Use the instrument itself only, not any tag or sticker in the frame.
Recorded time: 1 h 16 min 34 s
